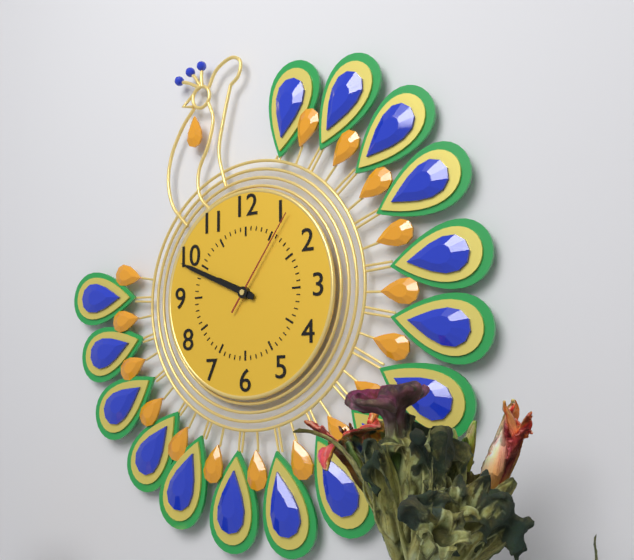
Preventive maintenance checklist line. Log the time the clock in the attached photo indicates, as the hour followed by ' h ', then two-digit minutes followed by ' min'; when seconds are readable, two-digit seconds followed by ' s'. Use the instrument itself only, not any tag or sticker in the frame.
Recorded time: 9 h 49 min 06 s
